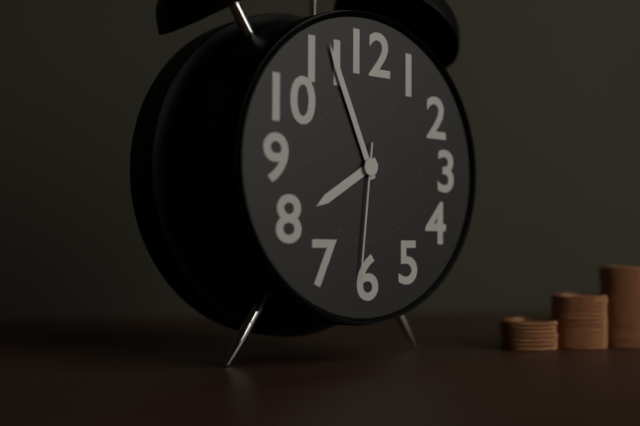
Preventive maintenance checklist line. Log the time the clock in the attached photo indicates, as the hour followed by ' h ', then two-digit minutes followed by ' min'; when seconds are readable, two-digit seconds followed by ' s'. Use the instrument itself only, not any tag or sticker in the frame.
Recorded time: 7 h 56 min 31 s
